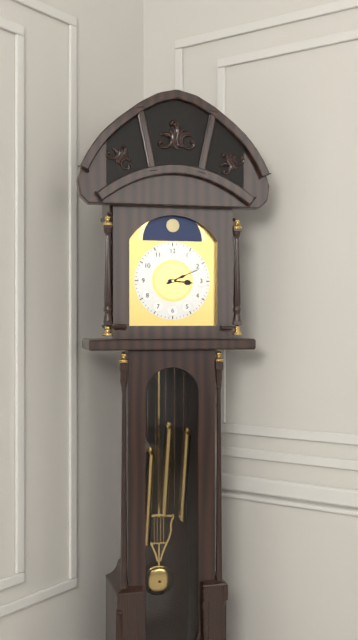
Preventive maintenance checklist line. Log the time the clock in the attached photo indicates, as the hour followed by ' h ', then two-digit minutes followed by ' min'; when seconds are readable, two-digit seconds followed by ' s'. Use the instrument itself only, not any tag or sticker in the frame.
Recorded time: 3 h 11 min
